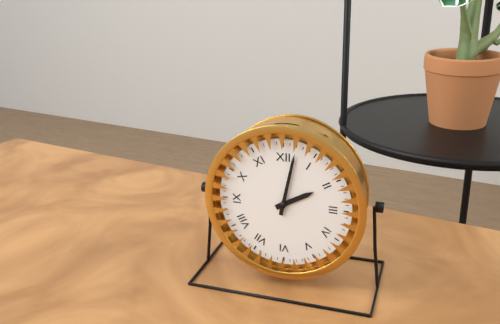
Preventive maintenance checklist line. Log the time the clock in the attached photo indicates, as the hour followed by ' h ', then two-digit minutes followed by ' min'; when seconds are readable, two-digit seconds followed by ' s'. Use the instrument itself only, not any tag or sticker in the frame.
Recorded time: 2 h 02 min
